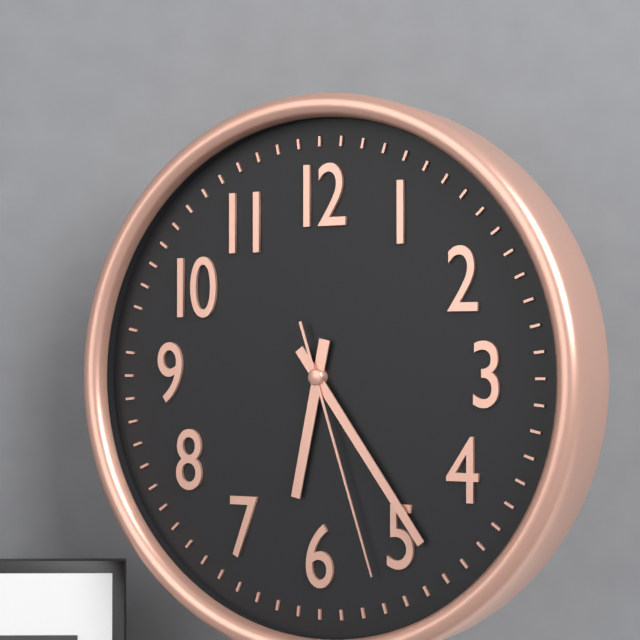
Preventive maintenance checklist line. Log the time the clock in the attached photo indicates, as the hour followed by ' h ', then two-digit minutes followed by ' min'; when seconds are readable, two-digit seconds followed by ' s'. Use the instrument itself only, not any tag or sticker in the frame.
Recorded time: 6 h 24 min 27 s
